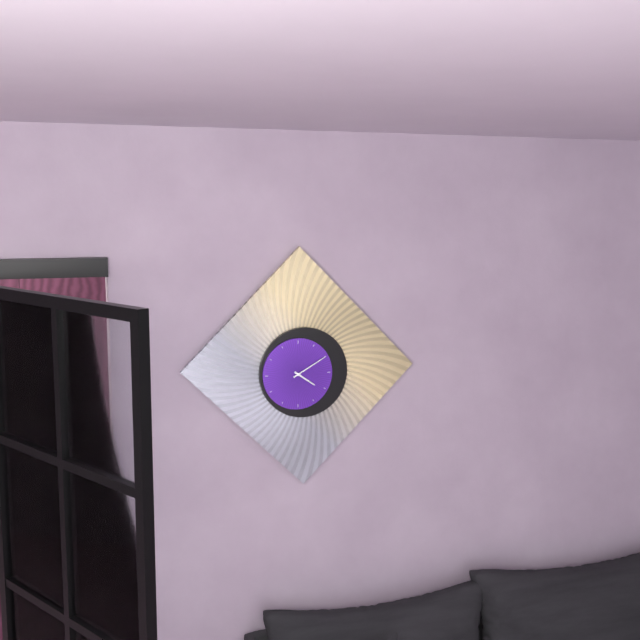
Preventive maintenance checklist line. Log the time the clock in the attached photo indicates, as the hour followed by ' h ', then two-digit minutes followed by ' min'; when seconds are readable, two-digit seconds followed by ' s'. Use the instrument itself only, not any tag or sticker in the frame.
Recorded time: 4 h 10 min
